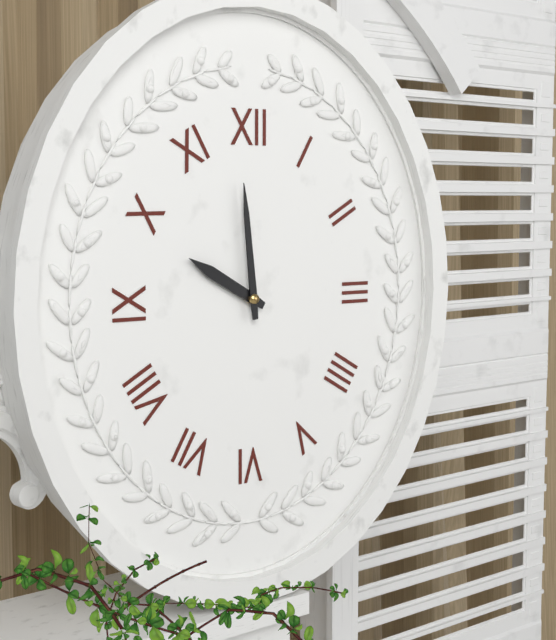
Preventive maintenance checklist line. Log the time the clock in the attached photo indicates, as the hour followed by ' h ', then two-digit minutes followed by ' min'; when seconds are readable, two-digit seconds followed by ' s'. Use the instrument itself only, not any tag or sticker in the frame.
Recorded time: 9 h 59 min
